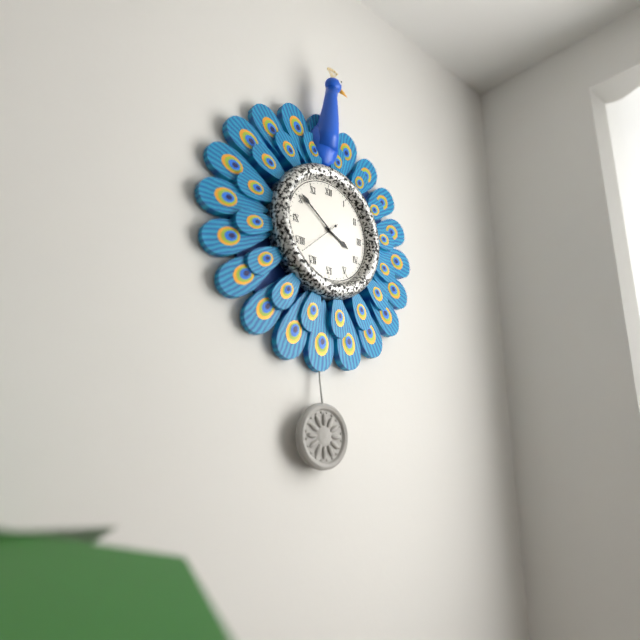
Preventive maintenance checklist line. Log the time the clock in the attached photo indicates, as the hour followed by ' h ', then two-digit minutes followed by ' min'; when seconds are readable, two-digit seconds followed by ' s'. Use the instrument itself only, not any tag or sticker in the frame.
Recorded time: 3 h 51 min
